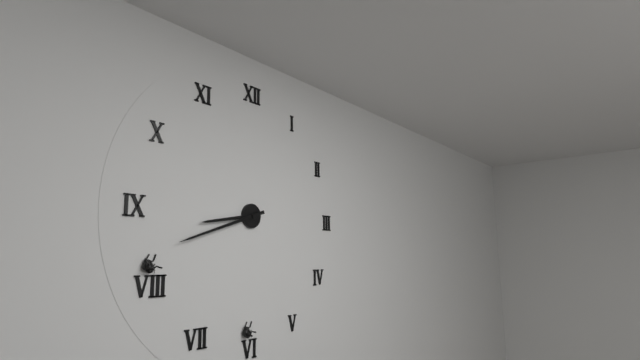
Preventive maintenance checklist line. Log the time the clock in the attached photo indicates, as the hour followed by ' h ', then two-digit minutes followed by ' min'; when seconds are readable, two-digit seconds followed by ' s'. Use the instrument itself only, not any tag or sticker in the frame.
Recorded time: 8 h 42 min
